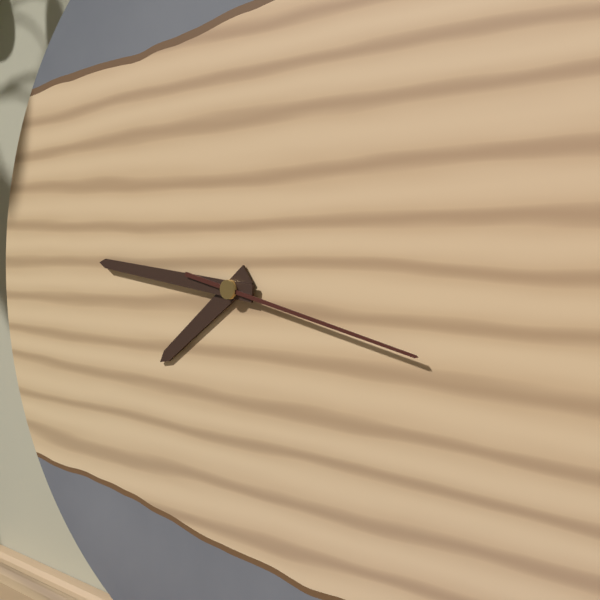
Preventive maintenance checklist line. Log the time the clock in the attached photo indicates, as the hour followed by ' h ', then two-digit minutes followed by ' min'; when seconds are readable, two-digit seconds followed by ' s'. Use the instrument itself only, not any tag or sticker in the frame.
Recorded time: 7 h 46 min 17 s
